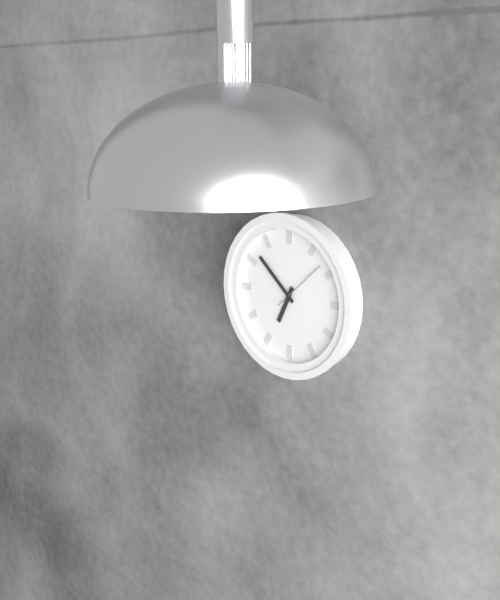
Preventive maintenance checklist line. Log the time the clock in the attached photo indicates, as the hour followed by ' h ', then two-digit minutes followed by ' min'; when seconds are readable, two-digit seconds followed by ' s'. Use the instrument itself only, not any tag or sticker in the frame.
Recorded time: 6 h 52 min 08 s
